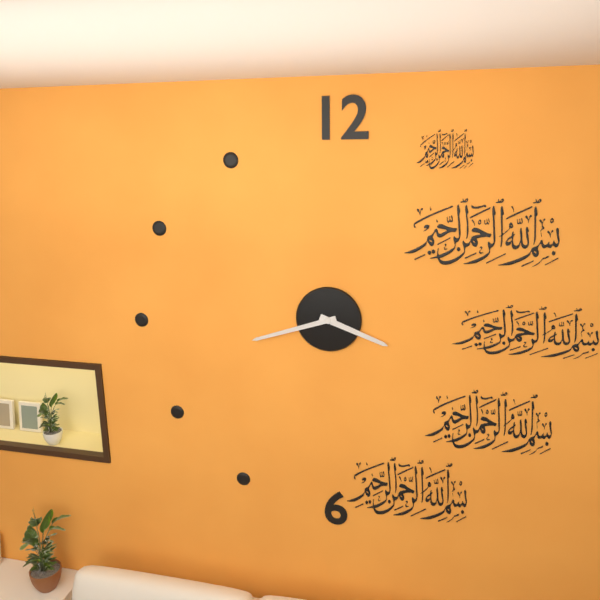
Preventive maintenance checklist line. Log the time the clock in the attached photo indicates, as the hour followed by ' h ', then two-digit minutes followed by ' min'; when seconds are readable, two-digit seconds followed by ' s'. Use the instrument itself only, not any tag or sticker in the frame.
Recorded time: 3 h 42 min
